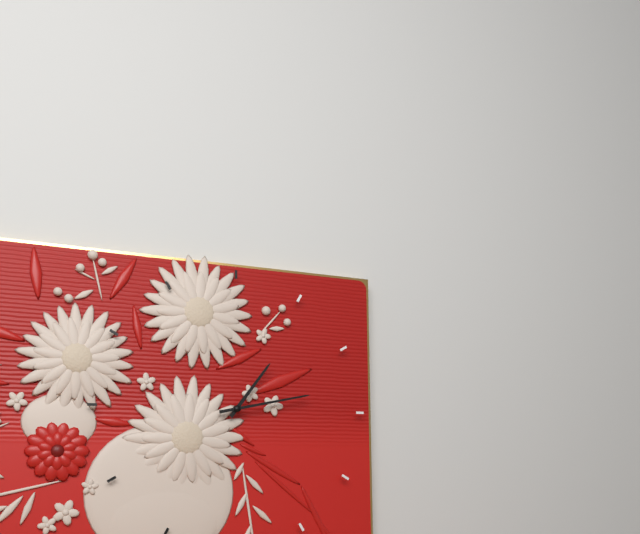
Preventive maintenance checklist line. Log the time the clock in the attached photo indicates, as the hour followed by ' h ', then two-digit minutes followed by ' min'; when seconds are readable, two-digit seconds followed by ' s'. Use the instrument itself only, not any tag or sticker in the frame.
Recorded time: 1 h 13 min
